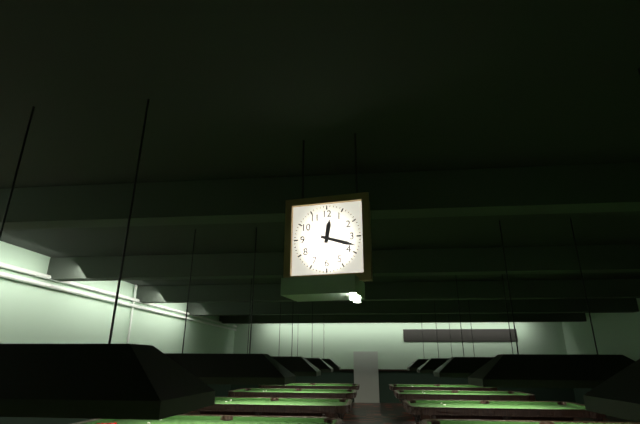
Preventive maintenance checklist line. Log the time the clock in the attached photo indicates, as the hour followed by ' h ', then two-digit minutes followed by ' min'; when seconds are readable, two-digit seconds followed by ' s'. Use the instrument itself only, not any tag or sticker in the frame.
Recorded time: 12 h 18 min
